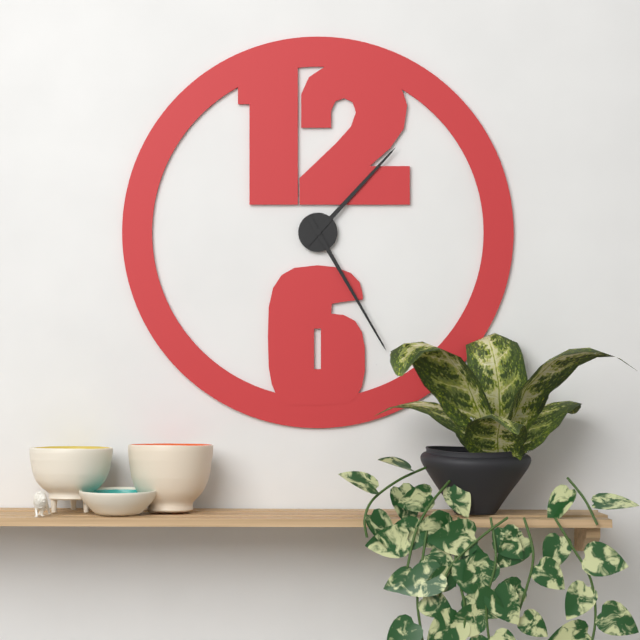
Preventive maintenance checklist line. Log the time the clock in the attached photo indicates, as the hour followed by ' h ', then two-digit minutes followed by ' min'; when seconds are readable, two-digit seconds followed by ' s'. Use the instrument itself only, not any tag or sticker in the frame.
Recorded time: 1 h 25 min
